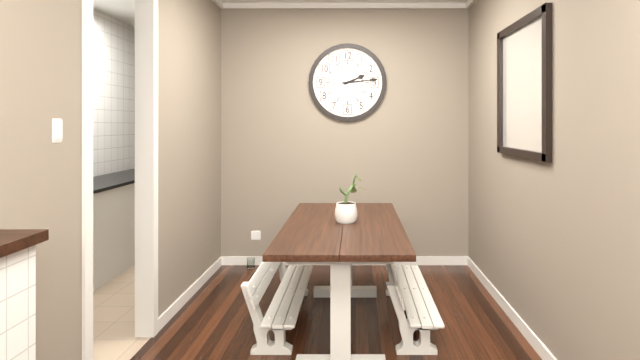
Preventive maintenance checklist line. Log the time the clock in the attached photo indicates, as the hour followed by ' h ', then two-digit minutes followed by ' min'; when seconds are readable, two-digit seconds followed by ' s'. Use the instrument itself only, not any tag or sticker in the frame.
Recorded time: 2 h 14 min
